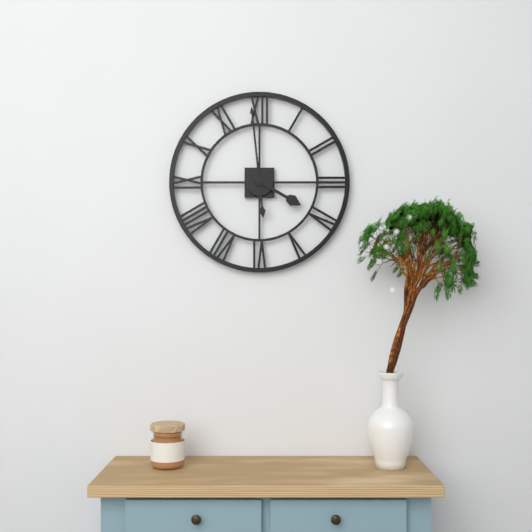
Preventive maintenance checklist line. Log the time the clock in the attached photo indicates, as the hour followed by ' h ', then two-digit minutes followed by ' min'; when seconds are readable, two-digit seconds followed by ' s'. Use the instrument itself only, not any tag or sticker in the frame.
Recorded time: 3 h 59 min
